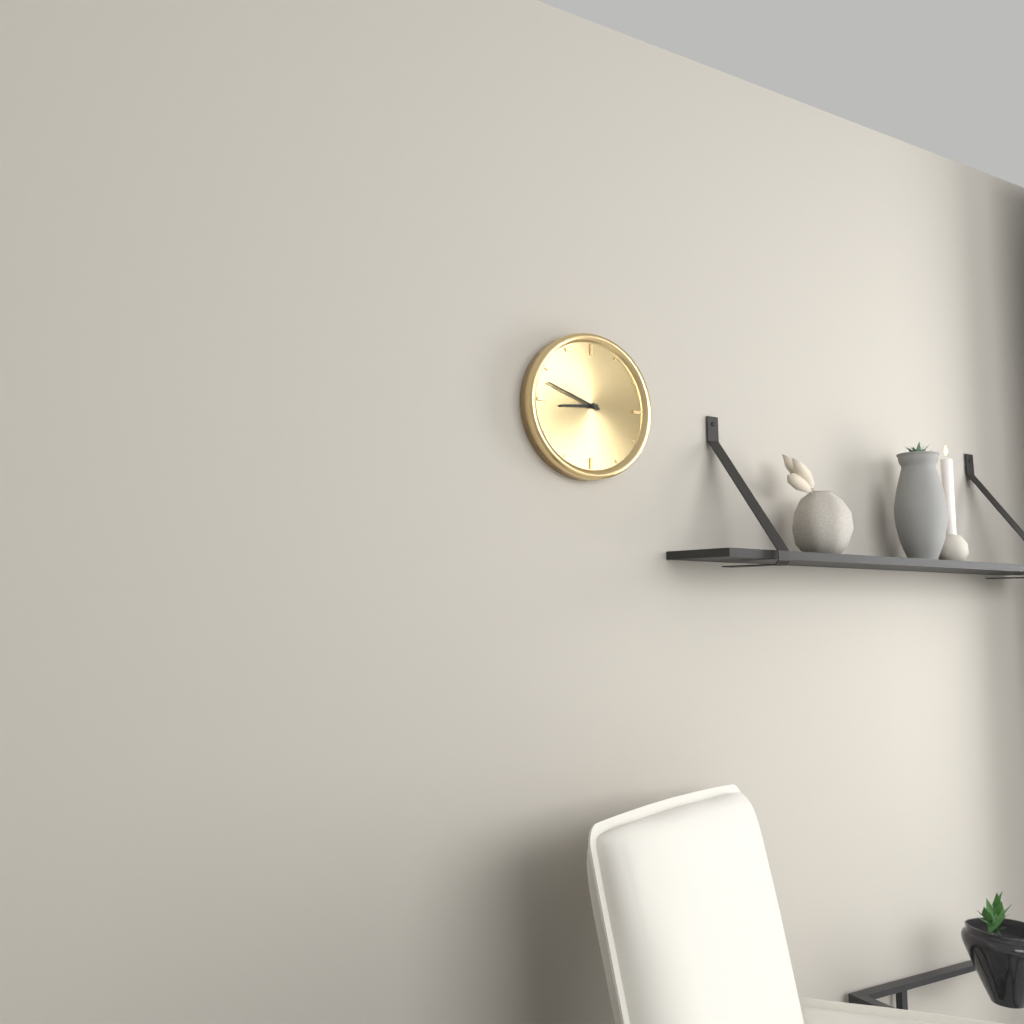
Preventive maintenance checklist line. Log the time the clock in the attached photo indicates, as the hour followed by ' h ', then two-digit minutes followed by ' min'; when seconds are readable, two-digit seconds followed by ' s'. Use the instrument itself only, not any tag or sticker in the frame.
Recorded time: 8 h 48 min
